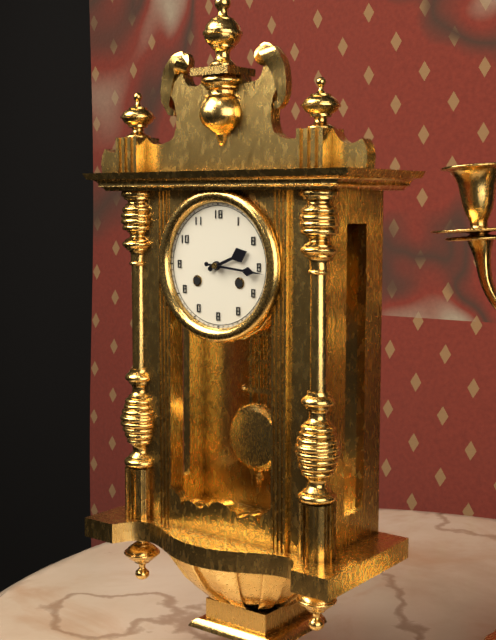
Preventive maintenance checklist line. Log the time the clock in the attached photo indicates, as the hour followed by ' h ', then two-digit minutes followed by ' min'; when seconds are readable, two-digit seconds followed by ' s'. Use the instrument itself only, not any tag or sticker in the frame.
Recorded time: 2 h 16 min
